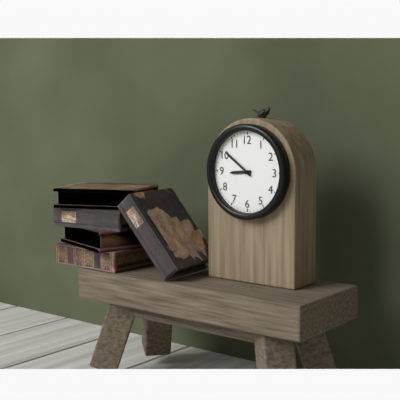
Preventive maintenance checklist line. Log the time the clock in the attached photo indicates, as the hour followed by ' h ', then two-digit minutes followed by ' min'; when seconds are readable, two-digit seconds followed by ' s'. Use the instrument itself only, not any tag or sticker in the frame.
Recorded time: 8 h 51 min
